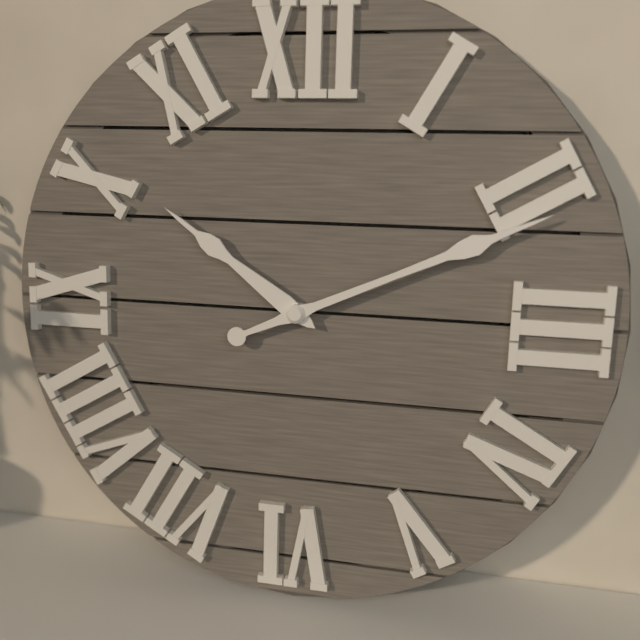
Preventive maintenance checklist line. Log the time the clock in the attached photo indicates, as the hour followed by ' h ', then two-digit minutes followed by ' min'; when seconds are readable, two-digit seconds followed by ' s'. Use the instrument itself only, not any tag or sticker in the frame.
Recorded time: 10 h 11 min
